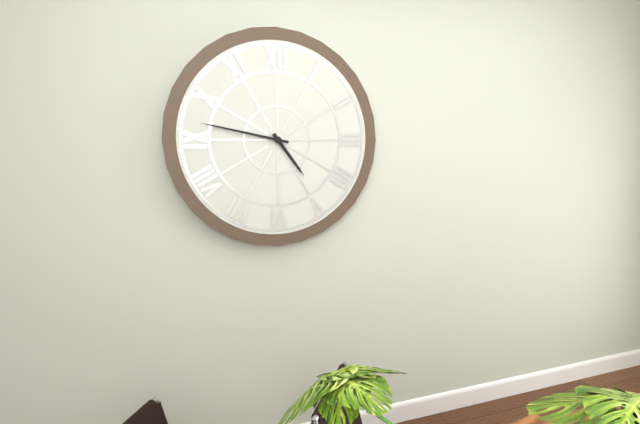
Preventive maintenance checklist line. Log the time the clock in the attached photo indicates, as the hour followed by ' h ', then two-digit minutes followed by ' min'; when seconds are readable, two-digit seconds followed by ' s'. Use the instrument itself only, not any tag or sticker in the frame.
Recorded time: 4 h 47 min
